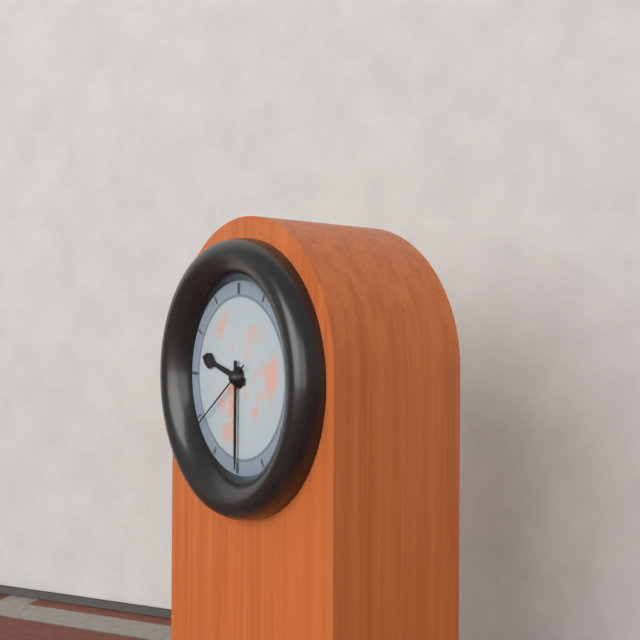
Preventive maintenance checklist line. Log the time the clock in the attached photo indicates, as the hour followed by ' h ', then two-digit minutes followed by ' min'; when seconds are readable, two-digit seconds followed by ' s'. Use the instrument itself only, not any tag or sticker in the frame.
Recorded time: 9 h 30 min 39 s
